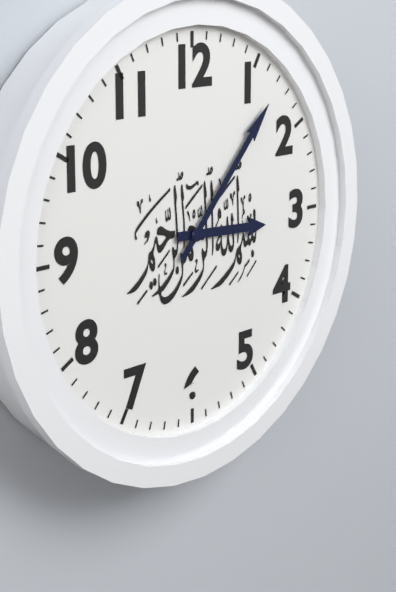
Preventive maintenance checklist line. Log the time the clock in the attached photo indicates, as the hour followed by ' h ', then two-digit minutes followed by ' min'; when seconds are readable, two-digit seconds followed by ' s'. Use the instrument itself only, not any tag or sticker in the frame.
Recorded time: 3 h 07 min
